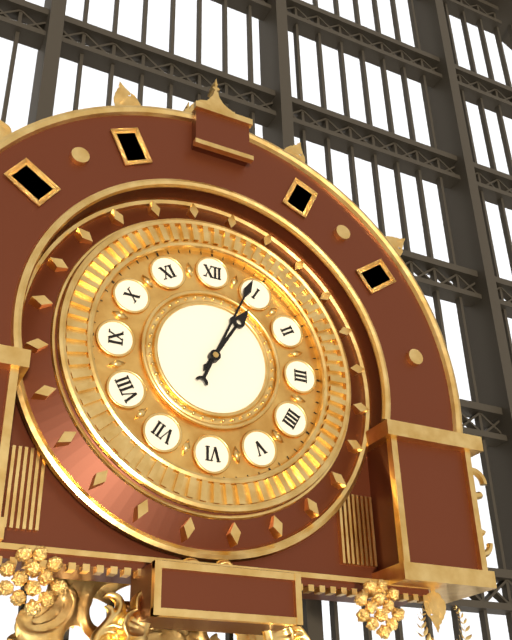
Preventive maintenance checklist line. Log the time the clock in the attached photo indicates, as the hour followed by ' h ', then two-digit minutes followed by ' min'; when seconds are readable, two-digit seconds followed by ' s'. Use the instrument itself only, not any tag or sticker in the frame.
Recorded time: 1 h 04 min
